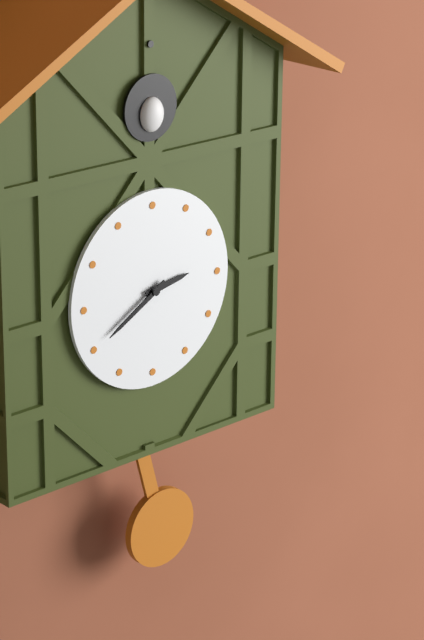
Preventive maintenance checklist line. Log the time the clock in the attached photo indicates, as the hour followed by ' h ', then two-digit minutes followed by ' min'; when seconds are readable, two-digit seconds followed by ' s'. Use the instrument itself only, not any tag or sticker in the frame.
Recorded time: 2 h 40 min
